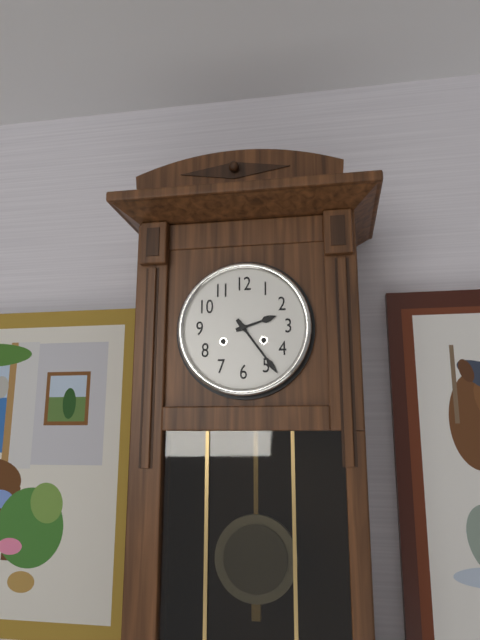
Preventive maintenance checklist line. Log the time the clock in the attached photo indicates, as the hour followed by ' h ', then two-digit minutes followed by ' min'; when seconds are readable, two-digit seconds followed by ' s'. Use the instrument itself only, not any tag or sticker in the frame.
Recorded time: 2 h 24 min
